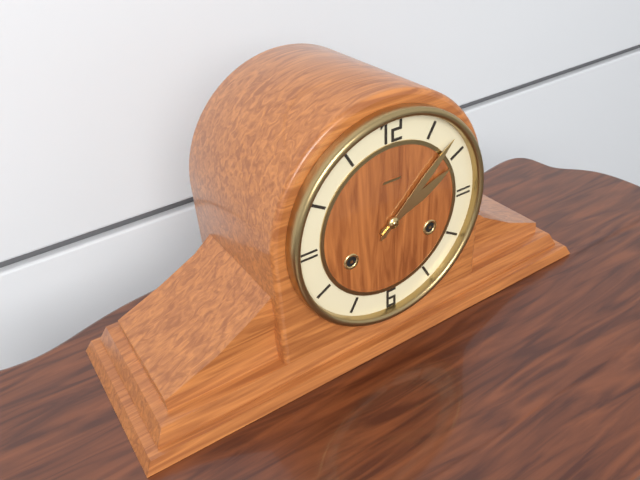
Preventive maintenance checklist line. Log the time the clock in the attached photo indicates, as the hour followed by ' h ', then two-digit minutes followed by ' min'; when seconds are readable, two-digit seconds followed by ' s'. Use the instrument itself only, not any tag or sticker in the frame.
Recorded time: 2 h 08 min
